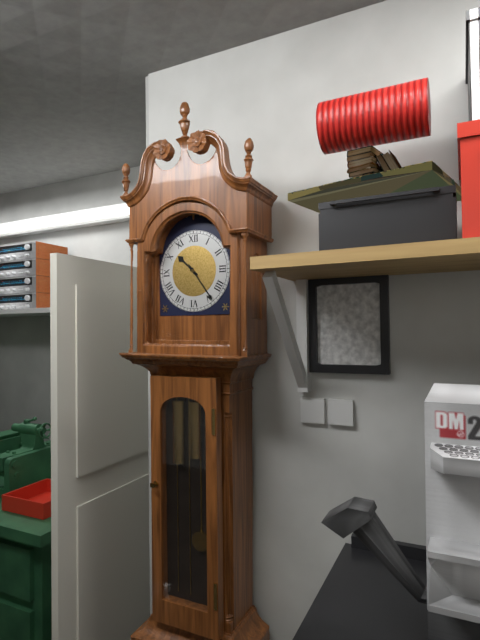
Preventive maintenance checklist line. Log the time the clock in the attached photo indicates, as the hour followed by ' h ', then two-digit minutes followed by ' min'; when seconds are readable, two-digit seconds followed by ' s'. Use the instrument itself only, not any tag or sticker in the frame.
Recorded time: 10 h 24 min
